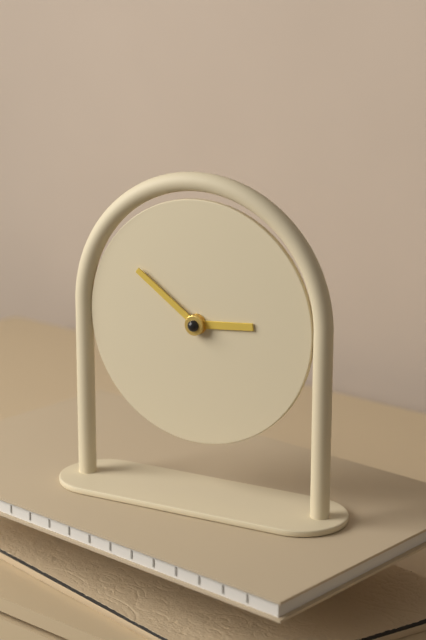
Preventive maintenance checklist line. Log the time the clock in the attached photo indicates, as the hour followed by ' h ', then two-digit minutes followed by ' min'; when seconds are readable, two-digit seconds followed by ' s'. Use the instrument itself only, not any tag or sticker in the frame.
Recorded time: 2 h 51 min
